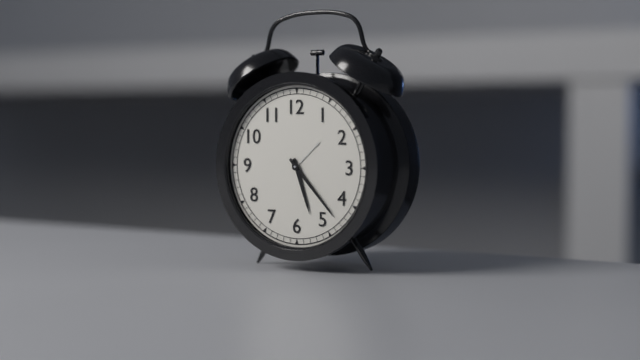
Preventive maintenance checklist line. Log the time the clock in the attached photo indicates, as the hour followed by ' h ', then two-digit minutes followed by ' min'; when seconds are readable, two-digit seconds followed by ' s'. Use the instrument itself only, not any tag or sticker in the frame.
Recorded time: 5 h 23 min
